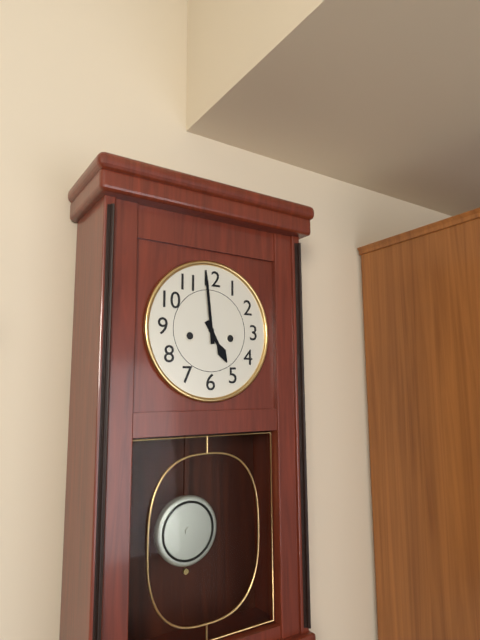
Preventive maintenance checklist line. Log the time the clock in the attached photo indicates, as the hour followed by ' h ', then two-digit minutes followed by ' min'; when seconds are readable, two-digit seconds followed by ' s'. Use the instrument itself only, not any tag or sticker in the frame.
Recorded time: 4 h 59 min
